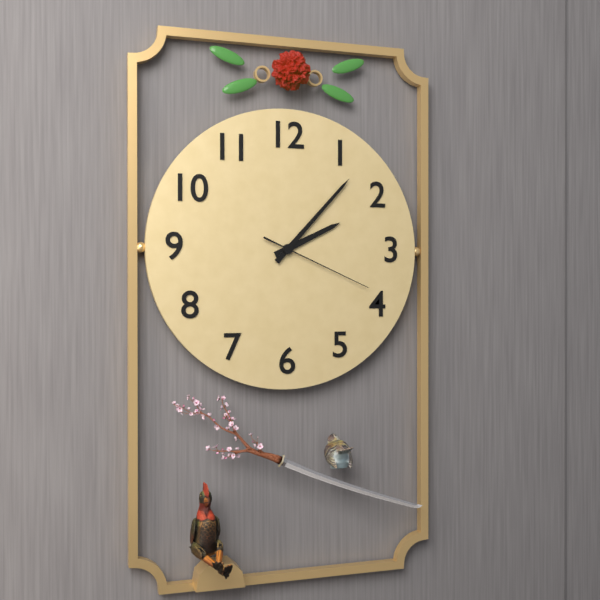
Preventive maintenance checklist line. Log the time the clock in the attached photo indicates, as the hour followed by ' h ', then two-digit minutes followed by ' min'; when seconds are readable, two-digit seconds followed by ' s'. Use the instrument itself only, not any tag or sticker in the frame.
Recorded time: 2 h 07 min 19 s
